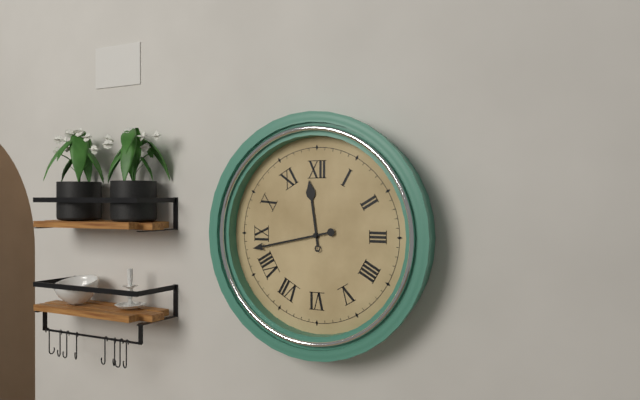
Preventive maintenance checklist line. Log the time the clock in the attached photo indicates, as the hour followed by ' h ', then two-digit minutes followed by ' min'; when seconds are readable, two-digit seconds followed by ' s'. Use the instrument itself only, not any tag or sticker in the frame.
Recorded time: 11 h 43 min
